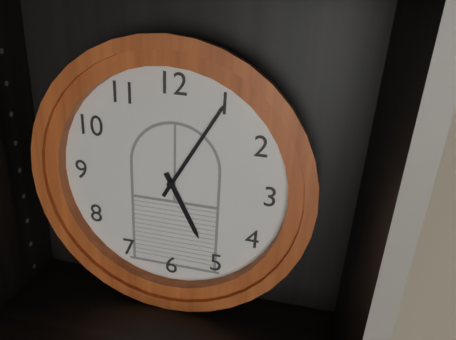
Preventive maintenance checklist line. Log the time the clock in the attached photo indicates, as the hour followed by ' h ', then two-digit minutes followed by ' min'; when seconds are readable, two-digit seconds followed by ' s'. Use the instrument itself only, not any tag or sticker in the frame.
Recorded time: 5 h 05 min
